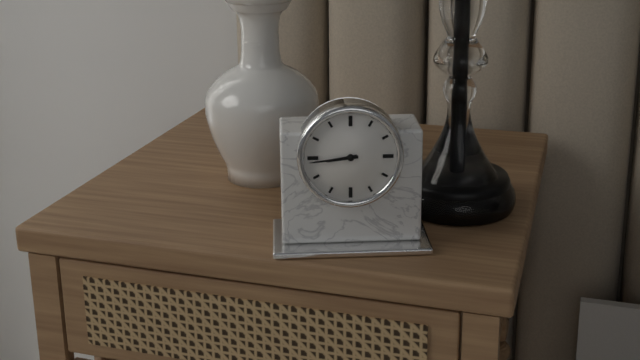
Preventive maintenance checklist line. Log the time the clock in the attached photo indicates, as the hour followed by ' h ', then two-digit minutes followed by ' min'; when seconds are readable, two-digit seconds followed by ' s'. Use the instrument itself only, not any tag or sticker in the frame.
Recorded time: 8 h 44 min
